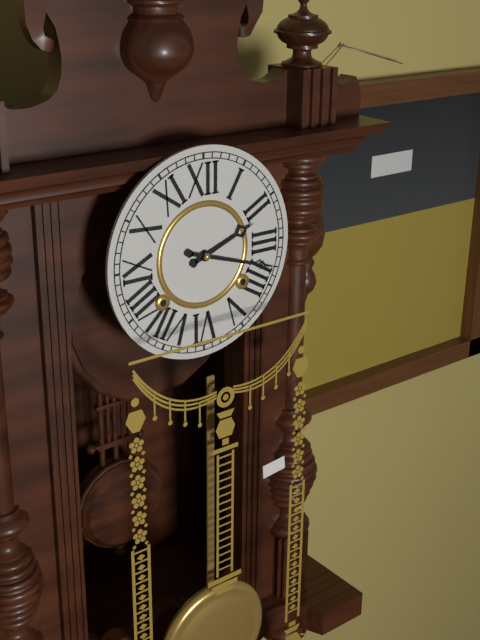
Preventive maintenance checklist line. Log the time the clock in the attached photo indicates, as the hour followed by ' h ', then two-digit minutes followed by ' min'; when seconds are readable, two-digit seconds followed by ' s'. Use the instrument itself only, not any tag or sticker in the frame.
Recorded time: 2 h 18 min
